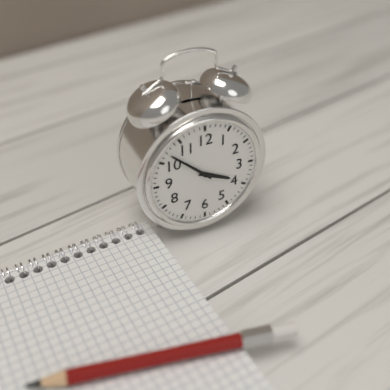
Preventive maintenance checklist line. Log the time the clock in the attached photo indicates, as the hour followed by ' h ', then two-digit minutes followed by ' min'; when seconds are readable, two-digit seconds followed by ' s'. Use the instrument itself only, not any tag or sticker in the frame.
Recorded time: 3 h 52 min
